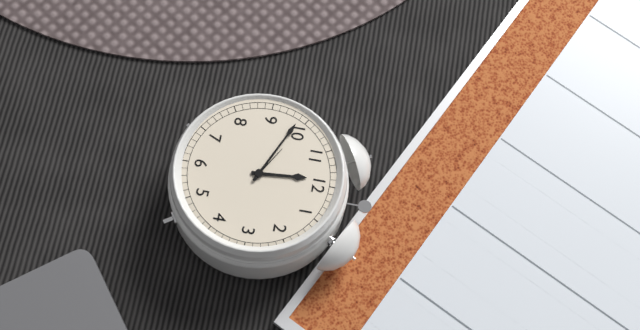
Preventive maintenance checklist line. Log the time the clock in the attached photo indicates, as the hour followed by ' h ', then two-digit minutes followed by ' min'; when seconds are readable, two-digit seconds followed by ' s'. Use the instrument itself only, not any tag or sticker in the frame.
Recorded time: 11 h 49 min
